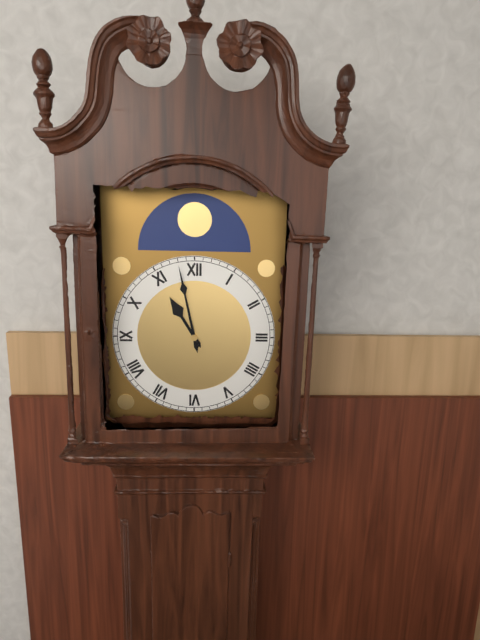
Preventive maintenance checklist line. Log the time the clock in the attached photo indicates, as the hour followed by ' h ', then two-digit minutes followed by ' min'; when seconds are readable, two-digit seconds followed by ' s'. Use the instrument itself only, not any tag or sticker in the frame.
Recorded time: 10 h 58 min
